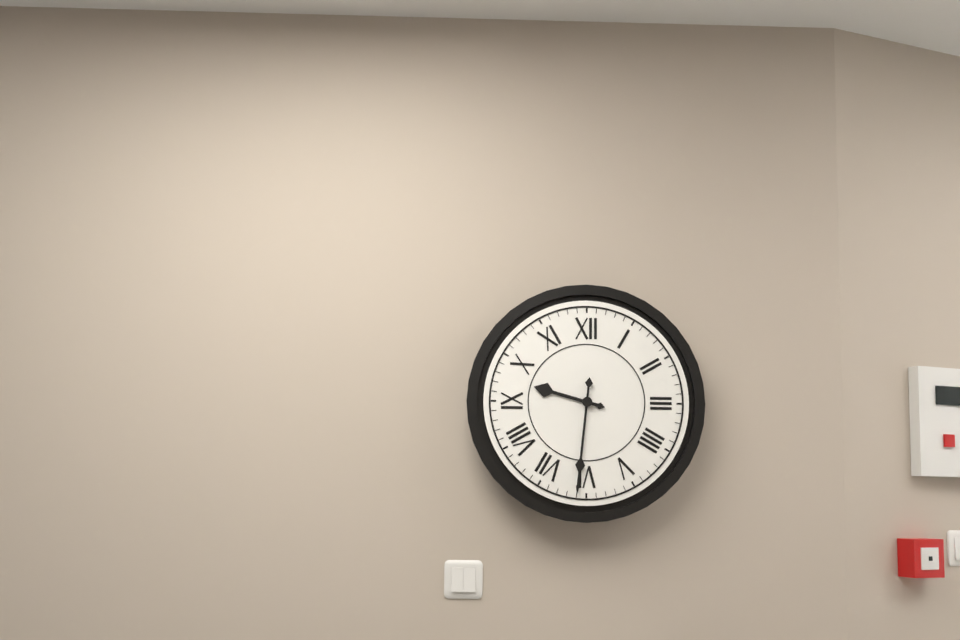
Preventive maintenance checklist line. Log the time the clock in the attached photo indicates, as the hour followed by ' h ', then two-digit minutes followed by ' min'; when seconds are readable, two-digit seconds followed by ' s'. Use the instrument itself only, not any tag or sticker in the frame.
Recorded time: 9 h 31 min
